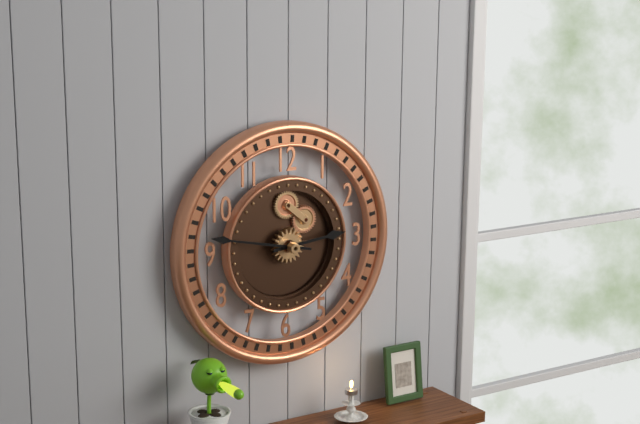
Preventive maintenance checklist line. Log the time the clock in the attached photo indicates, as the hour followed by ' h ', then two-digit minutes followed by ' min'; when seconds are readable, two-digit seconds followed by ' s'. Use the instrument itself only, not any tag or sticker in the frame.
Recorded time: 2 h 47 min
